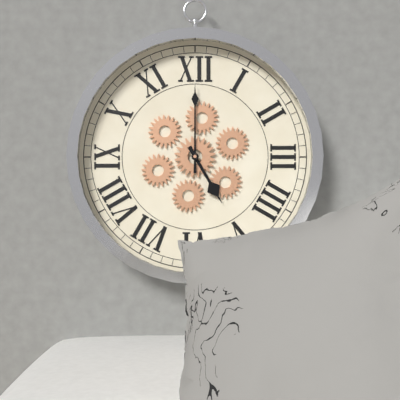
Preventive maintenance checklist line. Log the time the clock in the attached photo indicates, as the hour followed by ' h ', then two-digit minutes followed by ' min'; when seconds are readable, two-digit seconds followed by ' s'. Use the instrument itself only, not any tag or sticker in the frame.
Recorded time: 5 h 00 min
